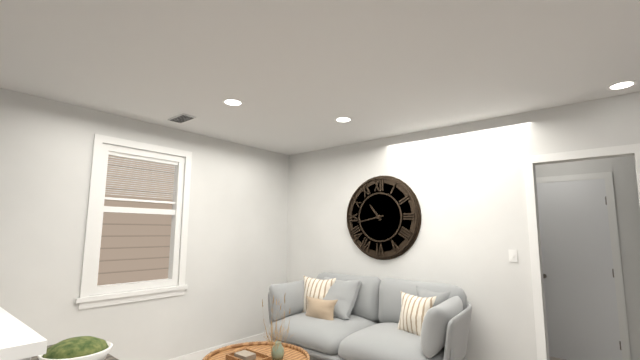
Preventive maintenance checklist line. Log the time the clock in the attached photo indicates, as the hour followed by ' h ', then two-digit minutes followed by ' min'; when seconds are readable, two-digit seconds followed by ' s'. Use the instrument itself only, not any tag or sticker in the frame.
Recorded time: 10 h 43 min
